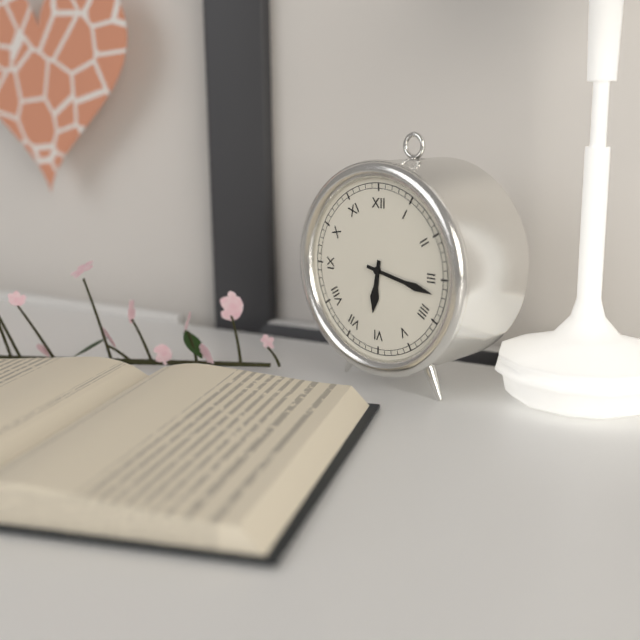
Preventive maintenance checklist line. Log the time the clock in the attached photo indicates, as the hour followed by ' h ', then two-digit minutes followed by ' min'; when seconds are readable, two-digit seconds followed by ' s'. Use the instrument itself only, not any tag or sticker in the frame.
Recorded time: 6 h 17 min
